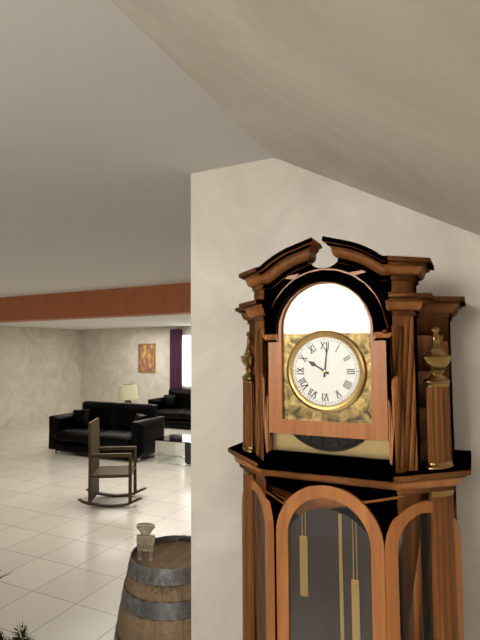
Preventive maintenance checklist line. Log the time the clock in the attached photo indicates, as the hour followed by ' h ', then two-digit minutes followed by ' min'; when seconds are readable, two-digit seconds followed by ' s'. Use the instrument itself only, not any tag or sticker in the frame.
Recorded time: 10 h 01 min
